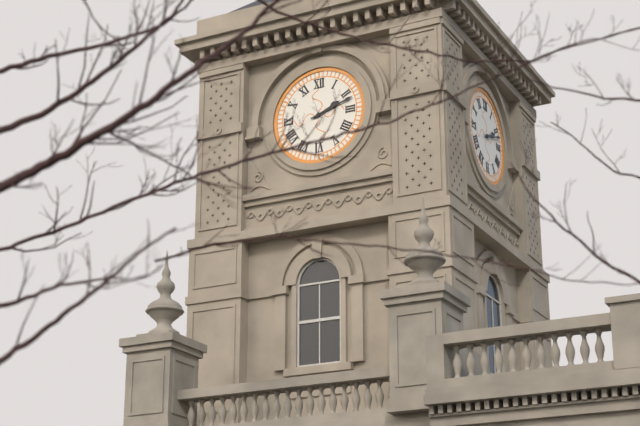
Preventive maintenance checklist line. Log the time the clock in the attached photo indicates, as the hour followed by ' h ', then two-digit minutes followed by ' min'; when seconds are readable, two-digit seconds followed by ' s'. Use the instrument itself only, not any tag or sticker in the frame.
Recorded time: 2 h 12 min
